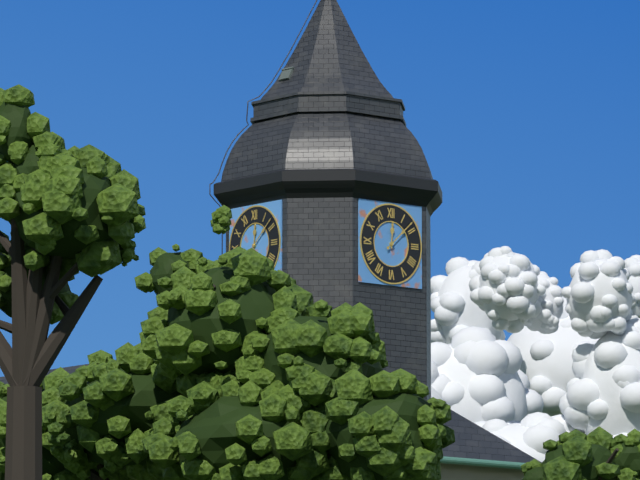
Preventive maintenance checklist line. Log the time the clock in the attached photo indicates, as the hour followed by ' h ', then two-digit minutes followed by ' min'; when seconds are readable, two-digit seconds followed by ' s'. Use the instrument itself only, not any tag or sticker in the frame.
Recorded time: 12 h 08 min
